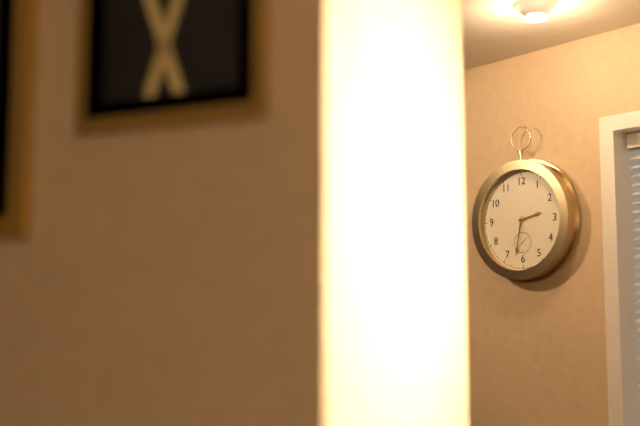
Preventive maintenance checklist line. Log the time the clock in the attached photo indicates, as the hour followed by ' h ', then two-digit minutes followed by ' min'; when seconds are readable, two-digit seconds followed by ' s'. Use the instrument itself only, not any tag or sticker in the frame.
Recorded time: 2 h 32 min
